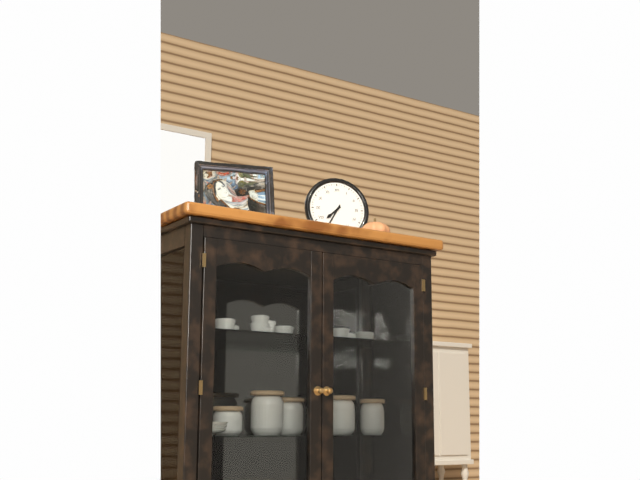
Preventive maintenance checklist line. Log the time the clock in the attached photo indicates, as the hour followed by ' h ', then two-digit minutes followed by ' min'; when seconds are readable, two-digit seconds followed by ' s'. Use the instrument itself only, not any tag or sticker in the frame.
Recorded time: 7 h 35 min
